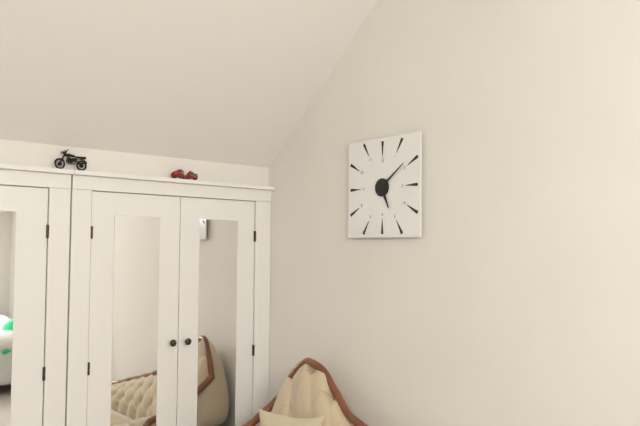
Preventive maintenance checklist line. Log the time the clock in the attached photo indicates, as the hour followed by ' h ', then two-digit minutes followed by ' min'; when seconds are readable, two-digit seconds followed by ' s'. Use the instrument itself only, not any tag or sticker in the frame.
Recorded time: 5 h 09 min
